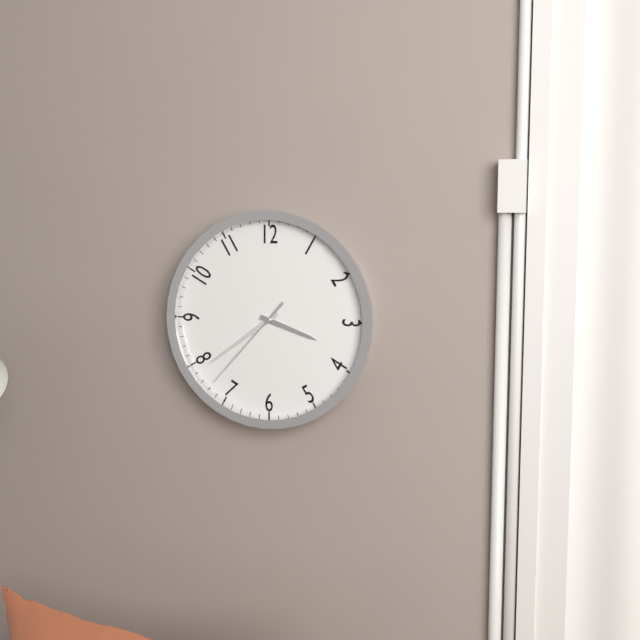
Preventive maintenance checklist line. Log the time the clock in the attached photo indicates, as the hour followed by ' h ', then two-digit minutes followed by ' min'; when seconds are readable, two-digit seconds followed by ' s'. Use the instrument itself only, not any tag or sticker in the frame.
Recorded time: 3 h 39 min 37 s
